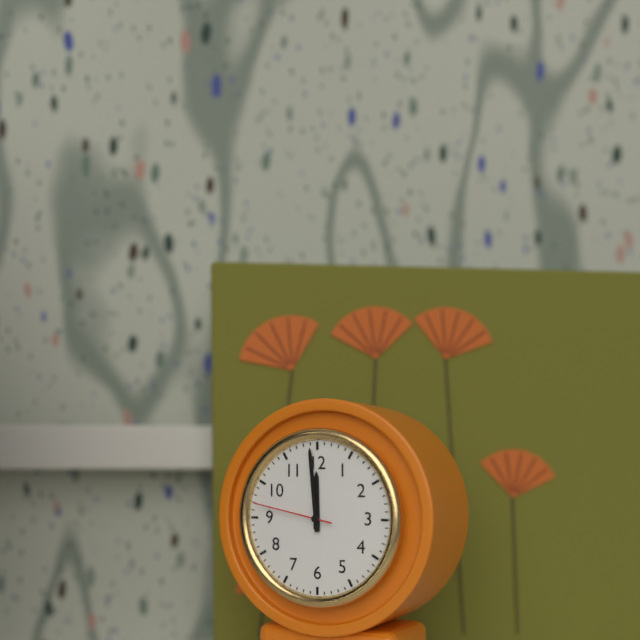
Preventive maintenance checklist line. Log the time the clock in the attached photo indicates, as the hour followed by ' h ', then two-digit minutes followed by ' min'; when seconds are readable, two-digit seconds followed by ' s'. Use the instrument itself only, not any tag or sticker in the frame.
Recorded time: 11 h 59 min 47 s
